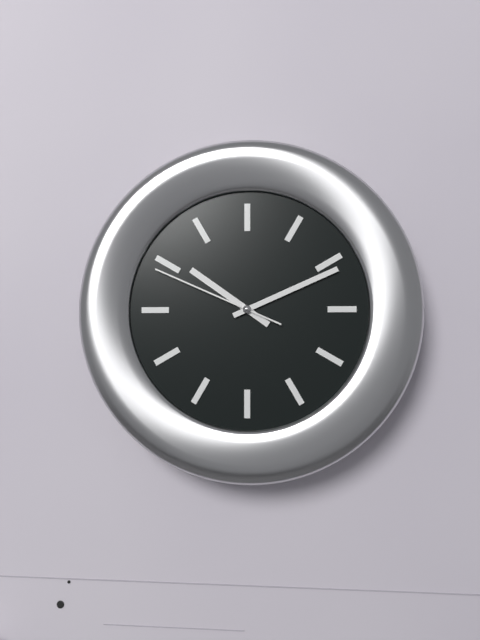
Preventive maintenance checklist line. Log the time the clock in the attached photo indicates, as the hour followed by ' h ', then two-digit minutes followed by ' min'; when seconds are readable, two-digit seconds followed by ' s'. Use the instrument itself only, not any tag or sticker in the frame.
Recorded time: 10 h 11 min 49 s
